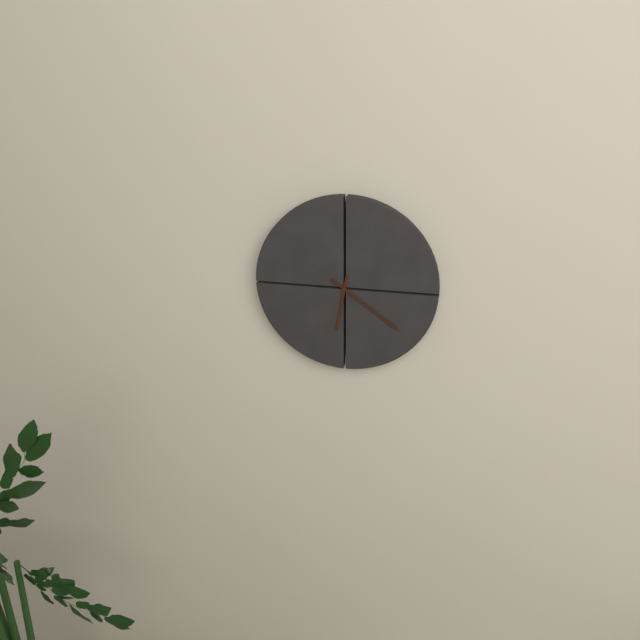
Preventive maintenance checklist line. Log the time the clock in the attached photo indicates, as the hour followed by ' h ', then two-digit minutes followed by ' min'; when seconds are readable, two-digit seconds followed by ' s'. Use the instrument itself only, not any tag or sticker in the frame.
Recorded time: 6 h 21 min
